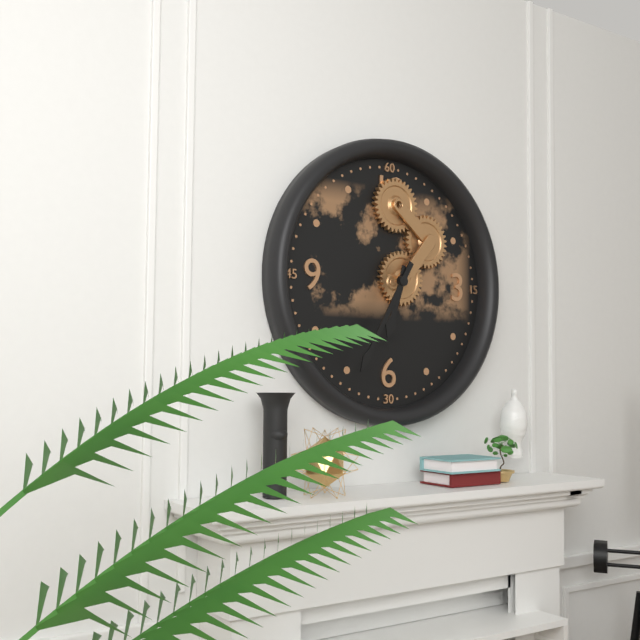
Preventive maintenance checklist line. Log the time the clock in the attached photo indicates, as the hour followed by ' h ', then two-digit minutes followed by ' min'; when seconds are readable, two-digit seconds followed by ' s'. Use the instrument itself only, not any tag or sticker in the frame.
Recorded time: 6 h 35 min
